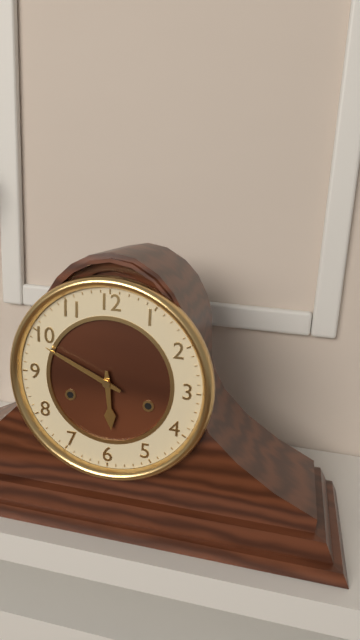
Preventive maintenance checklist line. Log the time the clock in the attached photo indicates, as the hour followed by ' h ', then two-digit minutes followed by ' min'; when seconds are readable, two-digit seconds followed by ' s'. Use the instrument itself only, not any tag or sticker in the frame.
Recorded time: 5 h 49 min
